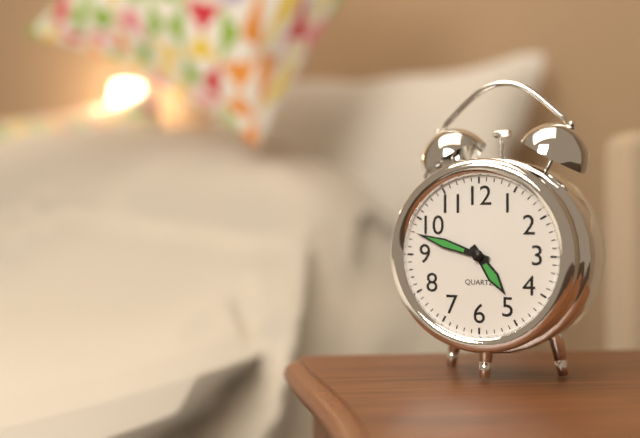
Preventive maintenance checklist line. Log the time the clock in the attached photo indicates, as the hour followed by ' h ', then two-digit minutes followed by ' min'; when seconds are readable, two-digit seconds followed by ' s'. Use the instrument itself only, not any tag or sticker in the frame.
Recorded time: 4 h 48 min
